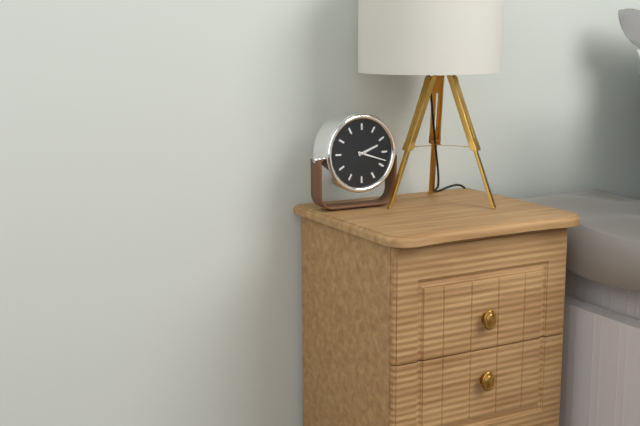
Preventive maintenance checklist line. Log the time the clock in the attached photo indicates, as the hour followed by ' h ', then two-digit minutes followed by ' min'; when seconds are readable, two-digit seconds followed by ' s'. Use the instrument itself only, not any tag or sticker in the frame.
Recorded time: 2 h 18 min
